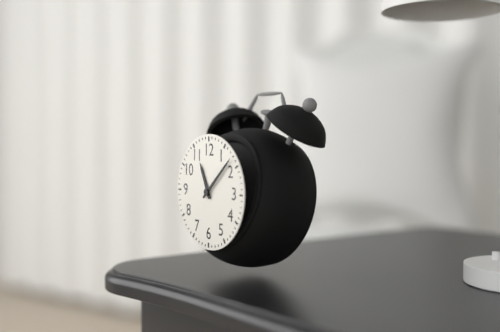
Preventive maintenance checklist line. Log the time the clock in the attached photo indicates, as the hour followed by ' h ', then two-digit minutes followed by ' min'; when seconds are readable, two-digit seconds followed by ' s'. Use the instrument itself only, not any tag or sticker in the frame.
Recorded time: 11 h 08 min
